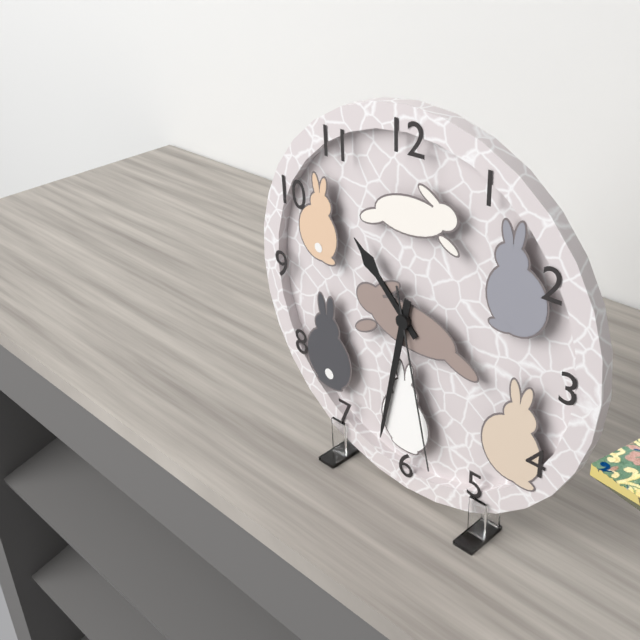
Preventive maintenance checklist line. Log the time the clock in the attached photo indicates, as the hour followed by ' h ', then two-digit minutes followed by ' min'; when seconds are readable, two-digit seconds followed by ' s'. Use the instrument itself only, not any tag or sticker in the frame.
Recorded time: 10 h 32 min 28 s
